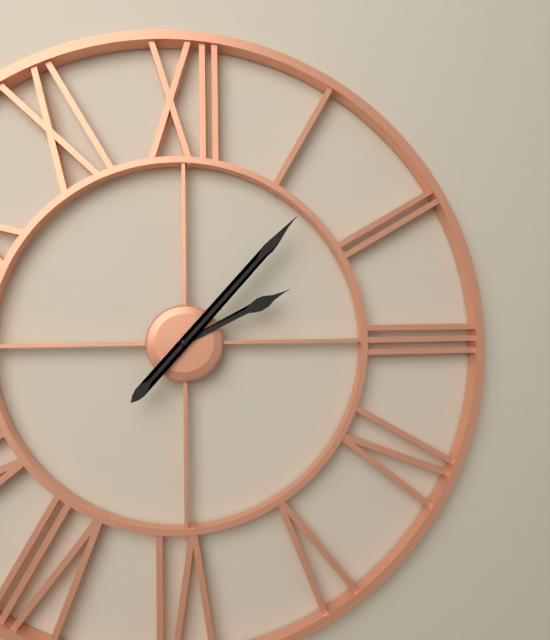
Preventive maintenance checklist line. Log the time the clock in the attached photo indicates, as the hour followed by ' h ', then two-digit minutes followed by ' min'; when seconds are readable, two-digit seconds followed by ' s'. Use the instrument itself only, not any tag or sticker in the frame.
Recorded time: 2 h 07 min
